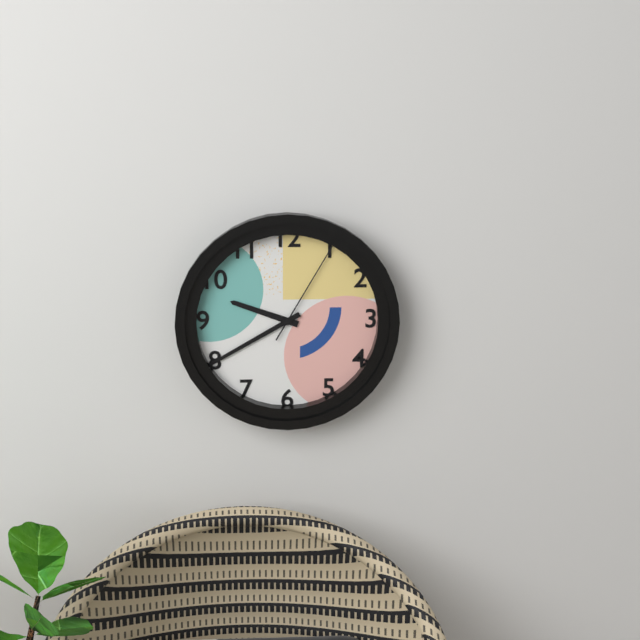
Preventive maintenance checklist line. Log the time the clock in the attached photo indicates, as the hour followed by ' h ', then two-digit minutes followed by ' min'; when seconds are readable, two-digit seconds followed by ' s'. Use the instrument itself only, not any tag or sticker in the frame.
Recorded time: 9 h 40 min 05 s
